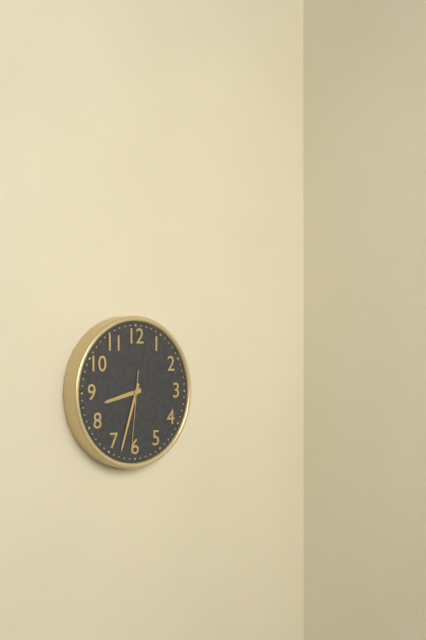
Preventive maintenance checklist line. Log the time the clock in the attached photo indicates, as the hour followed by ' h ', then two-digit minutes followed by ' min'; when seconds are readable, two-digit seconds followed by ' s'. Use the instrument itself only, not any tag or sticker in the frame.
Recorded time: 8 h 33 min 31 s
